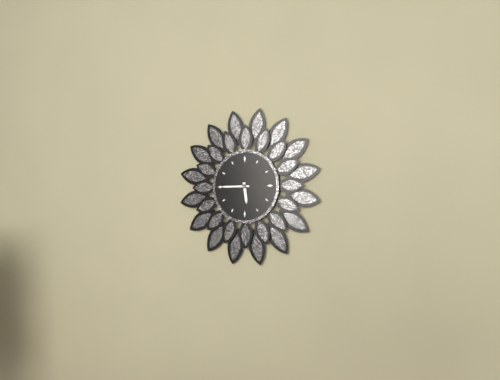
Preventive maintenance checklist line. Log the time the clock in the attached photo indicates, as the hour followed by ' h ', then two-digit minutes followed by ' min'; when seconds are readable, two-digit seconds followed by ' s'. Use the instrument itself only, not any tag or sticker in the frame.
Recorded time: 5 h 45 min
